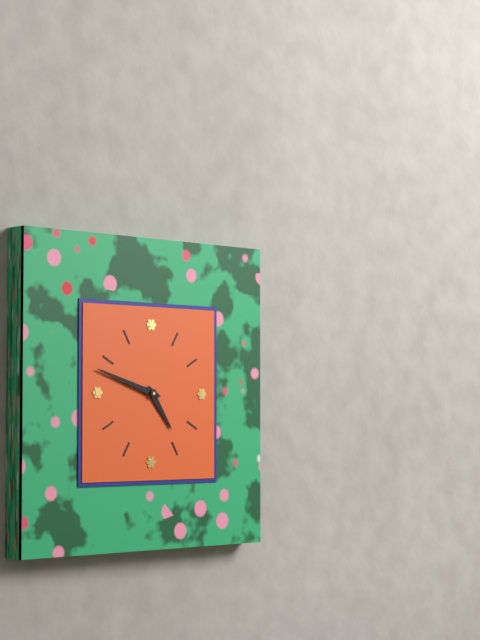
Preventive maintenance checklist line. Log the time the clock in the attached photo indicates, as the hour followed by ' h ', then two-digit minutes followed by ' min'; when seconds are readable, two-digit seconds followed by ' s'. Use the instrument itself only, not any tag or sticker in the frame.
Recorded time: 4 h 48 min
